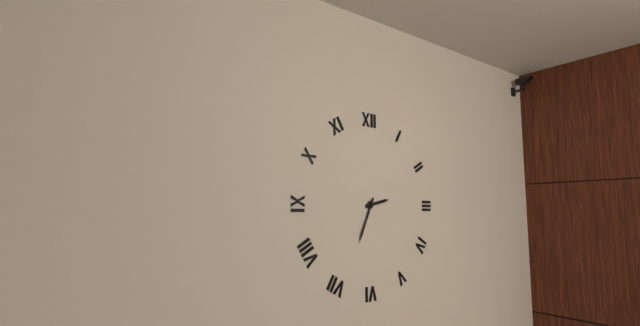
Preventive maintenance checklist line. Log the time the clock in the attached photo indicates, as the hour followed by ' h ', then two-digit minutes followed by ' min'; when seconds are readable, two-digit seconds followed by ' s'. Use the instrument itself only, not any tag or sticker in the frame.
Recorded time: 2 h 34 min
